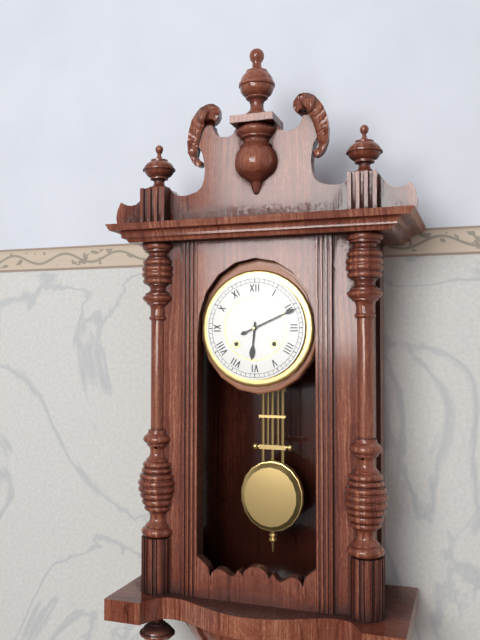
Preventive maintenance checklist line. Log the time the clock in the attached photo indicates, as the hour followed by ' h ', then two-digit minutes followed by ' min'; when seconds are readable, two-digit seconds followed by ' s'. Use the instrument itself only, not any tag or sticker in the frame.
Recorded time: 6 h 11 min
